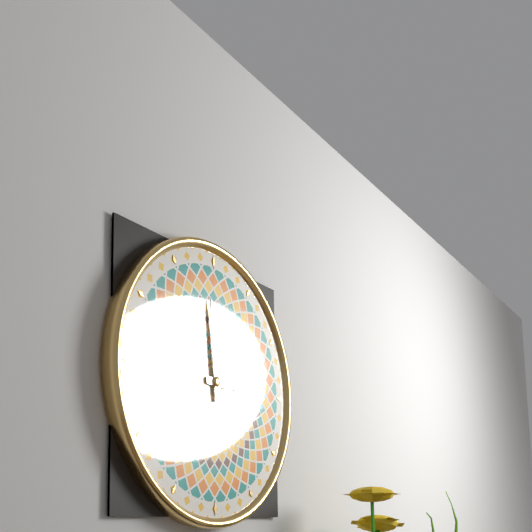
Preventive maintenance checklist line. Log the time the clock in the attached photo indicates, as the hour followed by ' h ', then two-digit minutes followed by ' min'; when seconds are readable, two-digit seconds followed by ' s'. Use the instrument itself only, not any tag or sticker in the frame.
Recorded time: 2 h 59 min
